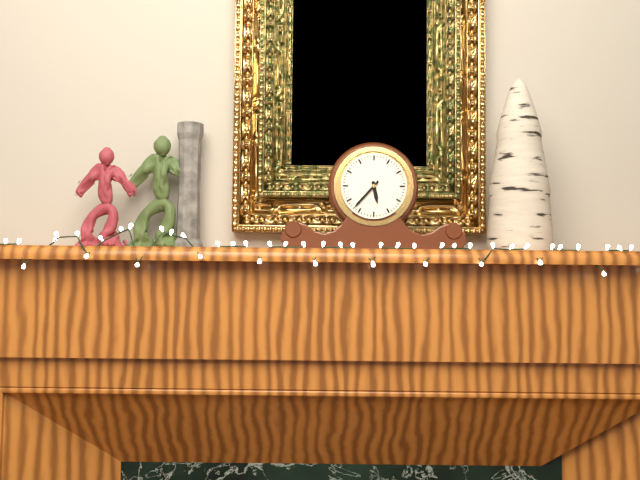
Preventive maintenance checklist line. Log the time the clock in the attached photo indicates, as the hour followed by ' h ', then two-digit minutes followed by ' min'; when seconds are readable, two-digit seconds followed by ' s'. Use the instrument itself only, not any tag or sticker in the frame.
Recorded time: 5 h 37 min
